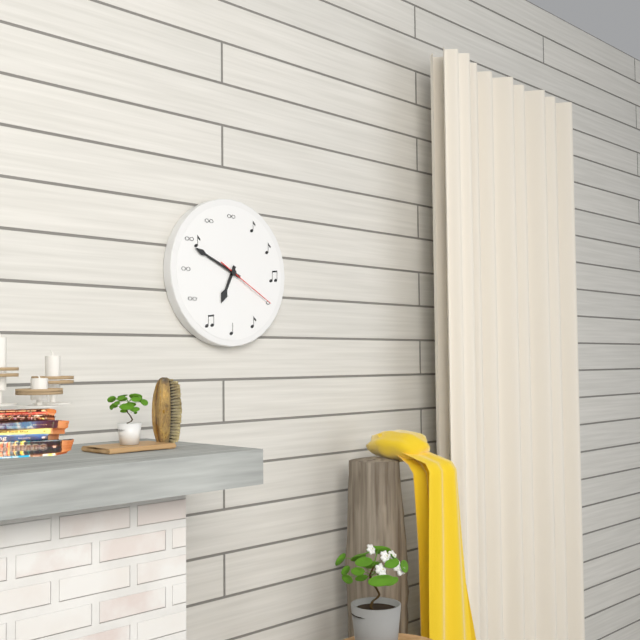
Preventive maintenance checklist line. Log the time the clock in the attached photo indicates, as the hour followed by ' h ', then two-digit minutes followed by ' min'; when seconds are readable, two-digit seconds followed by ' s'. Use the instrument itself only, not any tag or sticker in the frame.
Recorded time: 6 h 49 min 20 s
